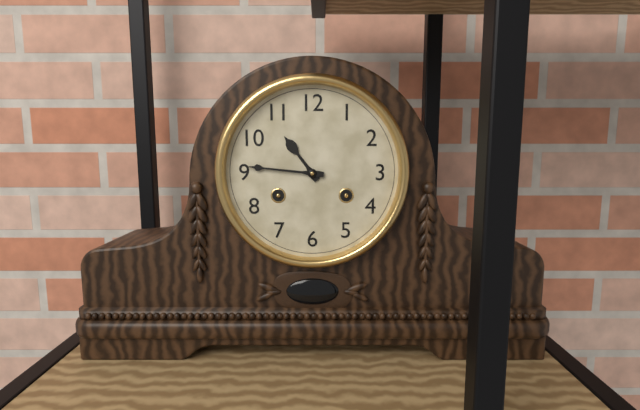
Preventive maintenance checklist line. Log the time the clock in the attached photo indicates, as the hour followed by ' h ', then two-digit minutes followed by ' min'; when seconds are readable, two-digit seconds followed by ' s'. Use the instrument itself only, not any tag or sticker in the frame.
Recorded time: 10 h 46 min
